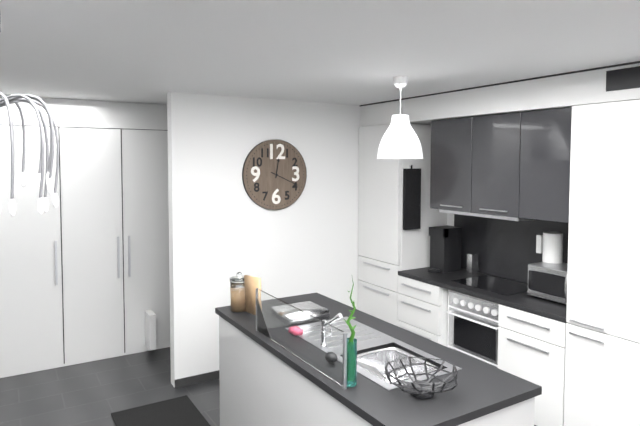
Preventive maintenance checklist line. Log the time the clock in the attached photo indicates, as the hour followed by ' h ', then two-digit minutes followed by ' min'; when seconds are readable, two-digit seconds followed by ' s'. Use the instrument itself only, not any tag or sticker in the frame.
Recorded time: 12 h 19 min
